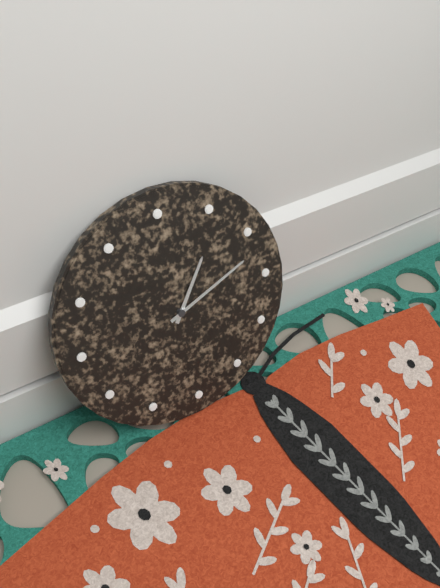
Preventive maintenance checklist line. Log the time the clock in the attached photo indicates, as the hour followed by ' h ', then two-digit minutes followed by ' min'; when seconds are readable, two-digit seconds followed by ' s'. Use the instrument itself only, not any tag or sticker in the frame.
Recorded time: 1 h 12 min
